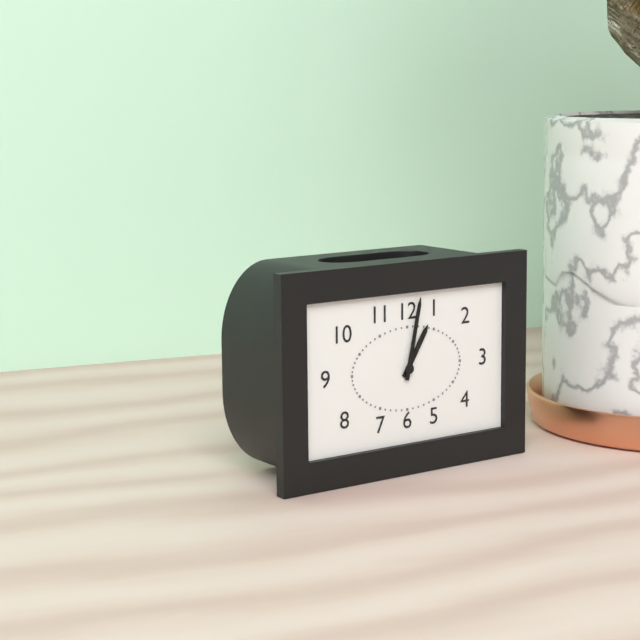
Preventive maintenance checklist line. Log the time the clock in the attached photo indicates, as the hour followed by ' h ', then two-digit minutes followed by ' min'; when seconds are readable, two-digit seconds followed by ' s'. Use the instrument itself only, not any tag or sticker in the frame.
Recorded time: 1 h 02 min
